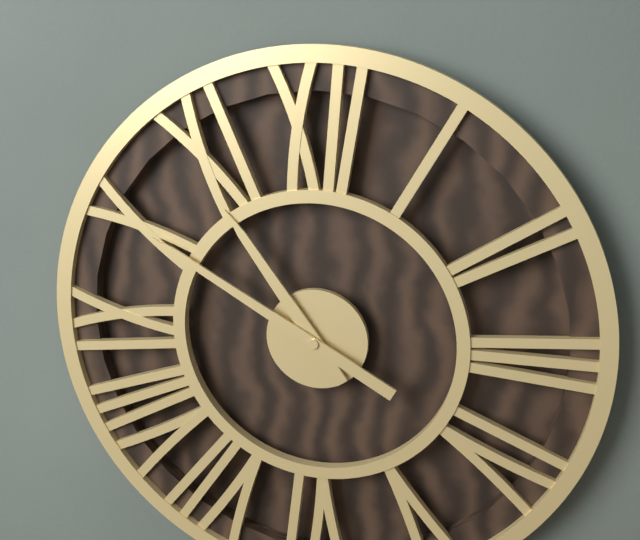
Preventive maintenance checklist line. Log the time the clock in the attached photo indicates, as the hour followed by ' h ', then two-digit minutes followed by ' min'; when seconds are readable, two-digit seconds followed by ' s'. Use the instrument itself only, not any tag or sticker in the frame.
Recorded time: 10 h 50 min
